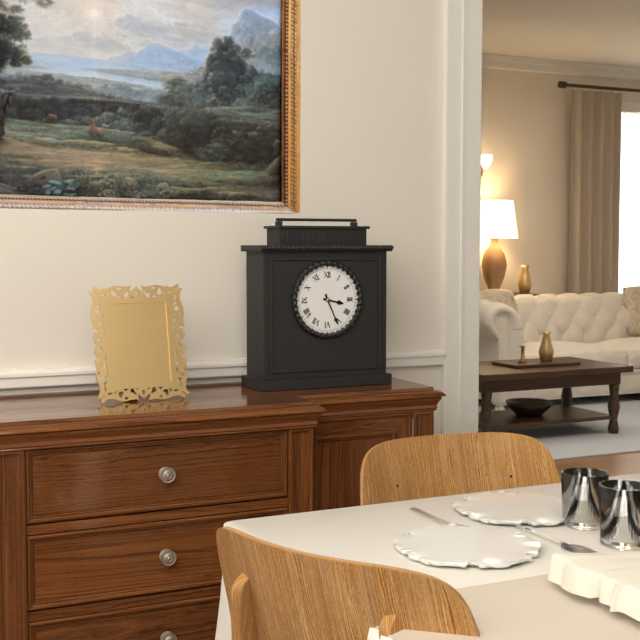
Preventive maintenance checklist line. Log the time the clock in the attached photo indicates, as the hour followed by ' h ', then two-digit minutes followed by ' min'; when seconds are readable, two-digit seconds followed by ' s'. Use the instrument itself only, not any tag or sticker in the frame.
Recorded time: 3 h 26 min
